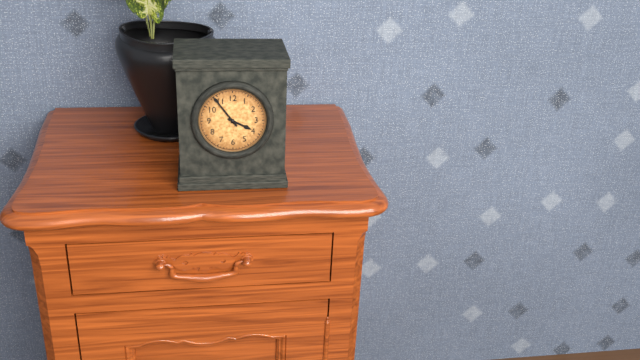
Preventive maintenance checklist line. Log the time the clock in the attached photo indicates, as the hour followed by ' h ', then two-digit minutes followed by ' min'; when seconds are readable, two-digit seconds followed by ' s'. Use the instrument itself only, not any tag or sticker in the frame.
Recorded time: 3 h 54 min
